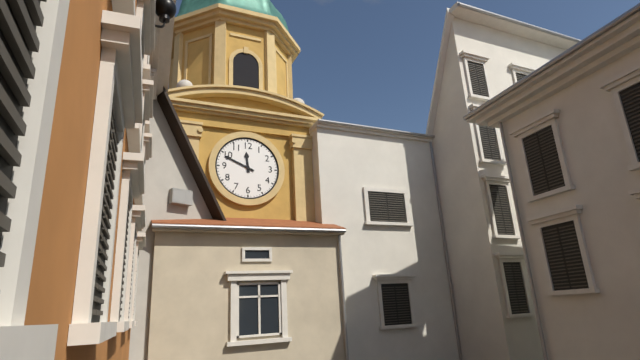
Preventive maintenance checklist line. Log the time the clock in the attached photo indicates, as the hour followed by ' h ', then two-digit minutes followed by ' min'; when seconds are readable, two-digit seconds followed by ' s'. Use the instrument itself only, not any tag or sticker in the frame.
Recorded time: 11 h 49 min
